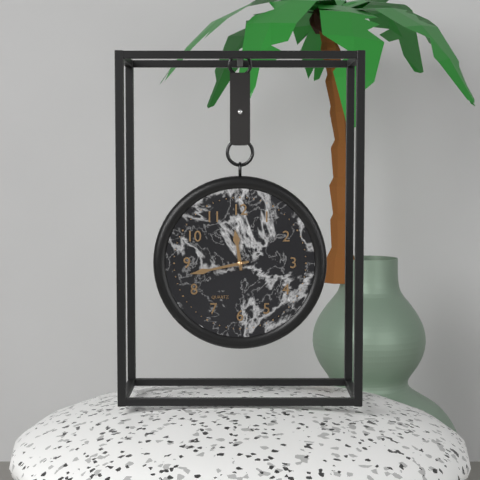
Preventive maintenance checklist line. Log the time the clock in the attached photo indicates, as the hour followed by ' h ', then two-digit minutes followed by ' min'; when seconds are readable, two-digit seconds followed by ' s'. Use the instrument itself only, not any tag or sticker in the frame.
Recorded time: 11 h 43 min
